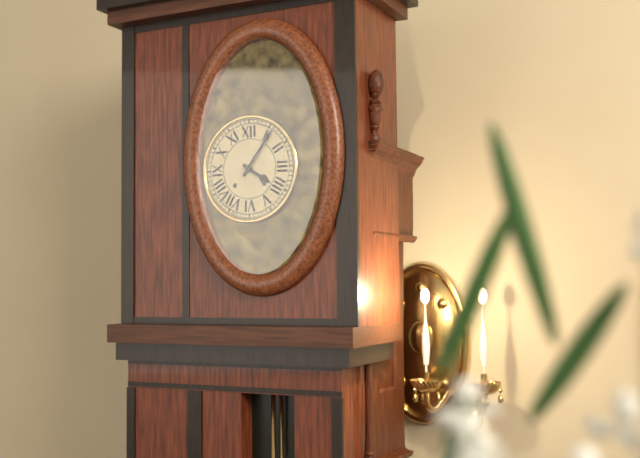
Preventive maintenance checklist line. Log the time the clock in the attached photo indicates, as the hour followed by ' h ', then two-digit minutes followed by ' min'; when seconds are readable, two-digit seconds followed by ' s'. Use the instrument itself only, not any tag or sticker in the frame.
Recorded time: 4 h 06 min
